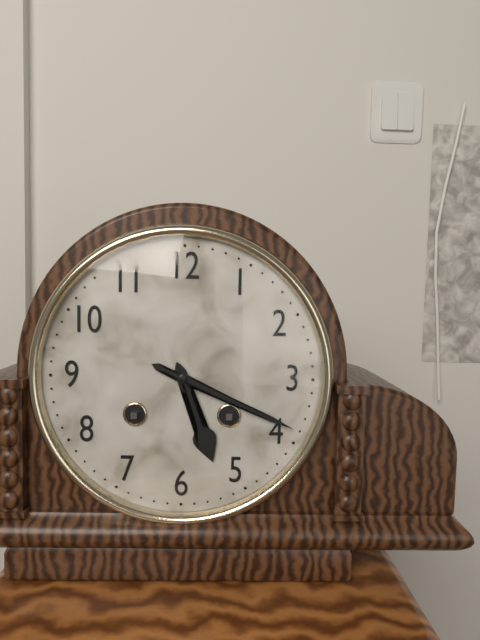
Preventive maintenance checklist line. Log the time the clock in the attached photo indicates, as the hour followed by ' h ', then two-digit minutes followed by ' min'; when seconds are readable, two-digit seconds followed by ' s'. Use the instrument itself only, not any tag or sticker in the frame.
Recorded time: 5 h 19 min
